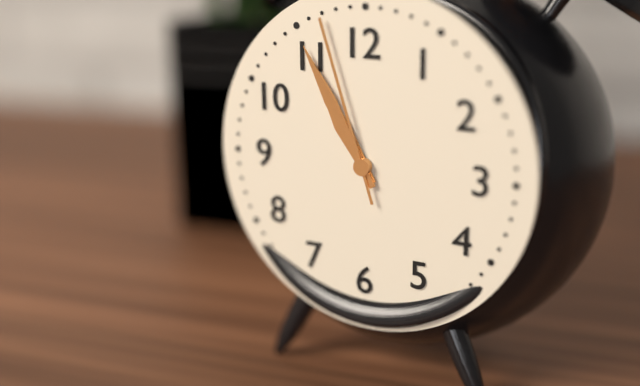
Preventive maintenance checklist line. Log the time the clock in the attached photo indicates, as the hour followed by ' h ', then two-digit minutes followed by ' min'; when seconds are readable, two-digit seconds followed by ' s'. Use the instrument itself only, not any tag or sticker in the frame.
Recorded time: 10 h 55 min 57 s
